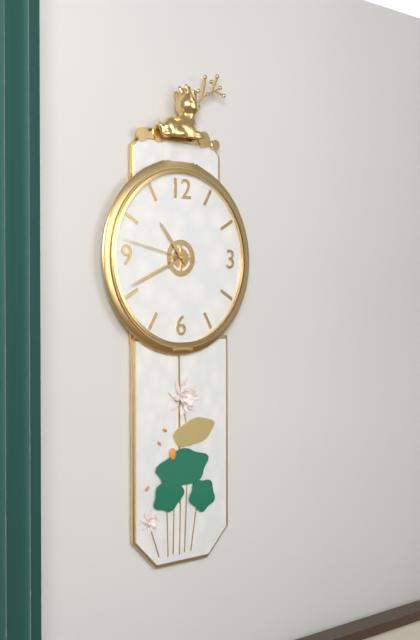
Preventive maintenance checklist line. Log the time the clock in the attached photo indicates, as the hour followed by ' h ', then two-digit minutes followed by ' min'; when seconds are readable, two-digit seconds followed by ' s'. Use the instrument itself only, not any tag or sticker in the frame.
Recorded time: 10 h 41 min 47 s
